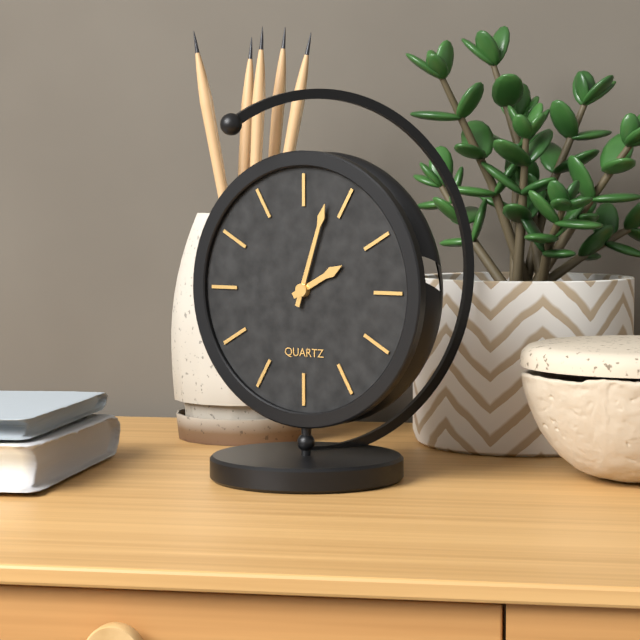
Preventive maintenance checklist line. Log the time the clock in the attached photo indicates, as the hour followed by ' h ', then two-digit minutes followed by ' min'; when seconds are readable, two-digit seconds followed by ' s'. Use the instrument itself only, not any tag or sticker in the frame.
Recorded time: 2 h 03 min
